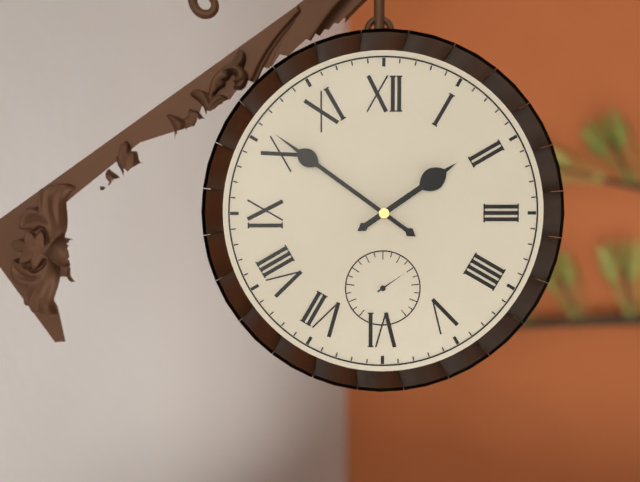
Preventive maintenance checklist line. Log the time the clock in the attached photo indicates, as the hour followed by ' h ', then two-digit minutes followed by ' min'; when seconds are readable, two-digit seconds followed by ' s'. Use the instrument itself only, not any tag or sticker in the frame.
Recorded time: 1 h 51 min
